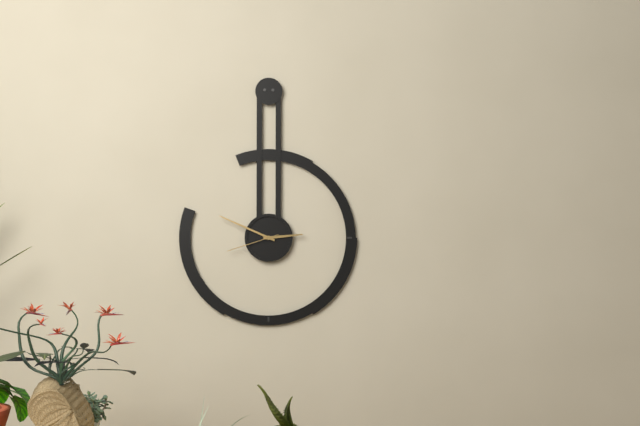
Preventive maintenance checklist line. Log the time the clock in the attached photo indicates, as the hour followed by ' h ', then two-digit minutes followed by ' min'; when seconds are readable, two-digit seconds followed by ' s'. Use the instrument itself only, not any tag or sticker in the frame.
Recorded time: 2 h 49 min 42 s
